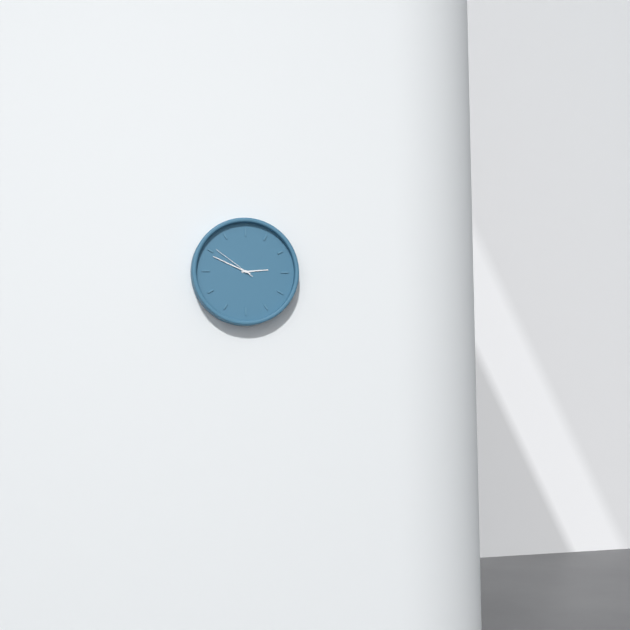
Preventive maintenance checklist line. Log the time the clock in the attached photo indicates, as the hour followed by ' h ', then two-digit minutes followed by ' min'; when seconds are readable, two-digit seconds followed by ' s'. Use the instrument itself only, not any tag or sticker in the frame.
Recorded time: 2 h 49 min
